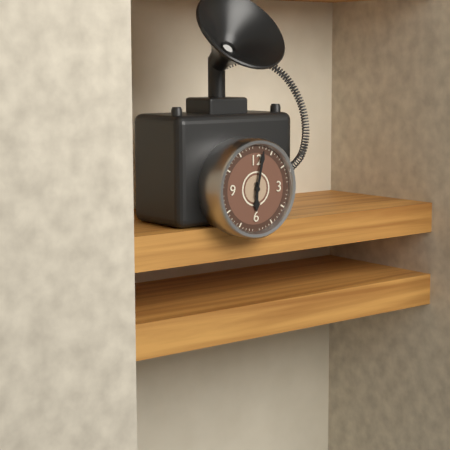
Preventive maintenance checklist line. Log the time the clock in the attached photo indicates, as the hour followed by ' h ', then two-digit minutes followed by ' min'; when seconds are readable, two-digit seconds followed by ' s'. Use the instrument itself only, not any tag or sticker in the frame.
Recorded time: 6 h 02 min
